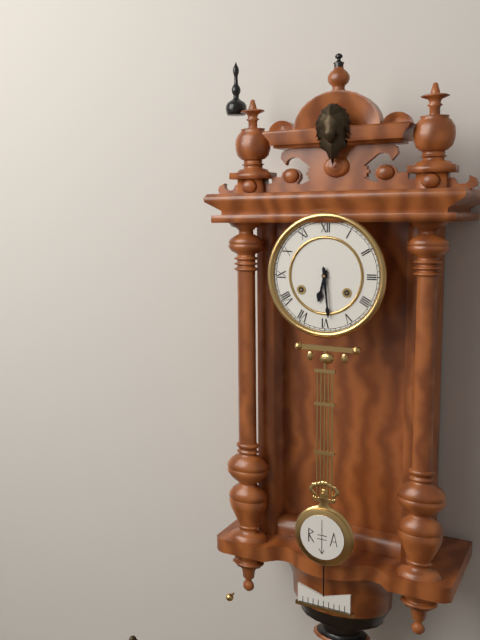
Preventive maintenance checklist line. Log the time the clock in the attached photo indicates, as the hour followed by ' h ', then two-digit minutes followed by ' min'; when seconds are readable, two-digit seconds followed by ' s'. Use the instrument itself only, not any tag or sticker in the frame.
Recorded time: 6 h 29 min
